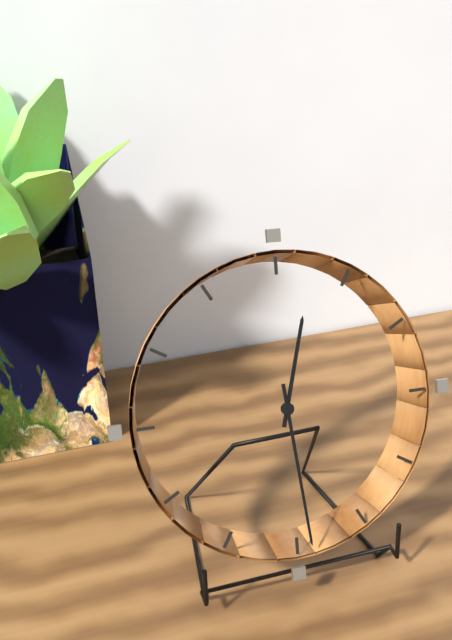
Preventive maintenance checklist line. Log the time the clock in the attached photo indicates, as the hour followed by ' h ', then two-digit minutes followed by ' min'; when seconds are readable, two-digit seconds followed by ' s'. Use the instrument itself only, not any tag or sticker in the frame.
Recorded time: 12 h 29 min
